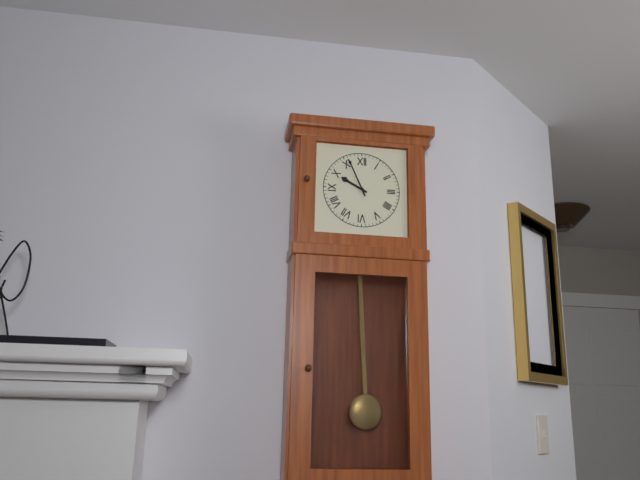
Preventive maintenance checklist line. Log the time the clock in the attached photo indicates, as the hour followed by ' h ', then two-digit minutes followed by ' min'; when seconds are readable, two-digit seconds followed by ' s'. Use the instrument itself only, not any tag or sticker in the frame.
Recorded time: 9 h 56 min
